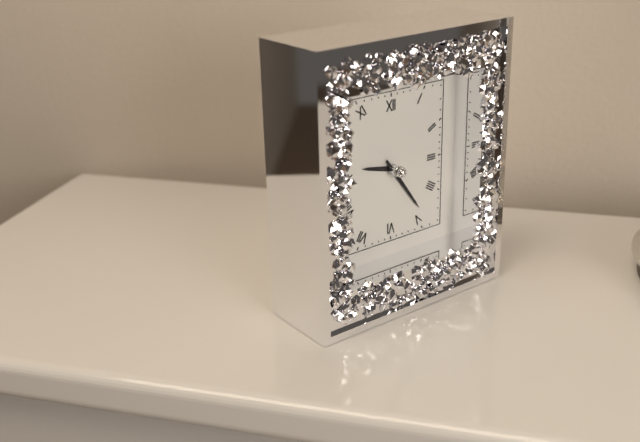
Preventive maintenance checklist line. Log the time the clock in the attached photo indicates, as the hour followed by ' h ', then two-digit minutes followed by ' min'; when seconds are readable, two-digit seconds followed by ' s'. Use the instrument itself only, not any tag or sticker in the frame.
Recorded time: 9 h 24 min
